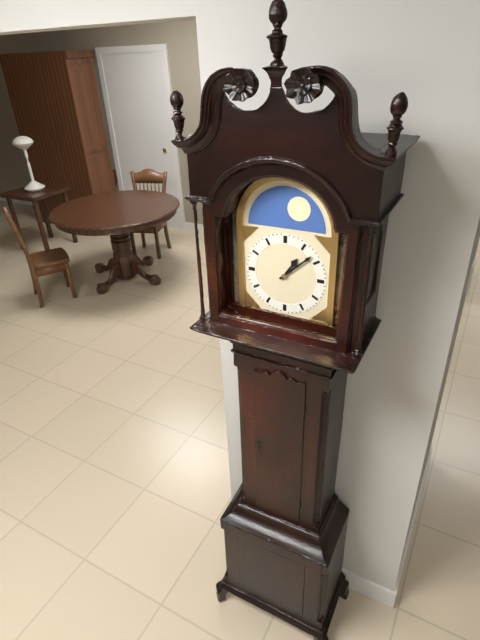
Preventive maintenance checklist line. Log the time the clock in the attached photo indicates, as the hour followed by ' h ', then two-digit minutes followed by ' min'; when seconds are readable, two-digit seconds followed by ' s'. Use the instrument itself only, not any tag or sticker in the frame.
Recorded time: 1 h 08 min
